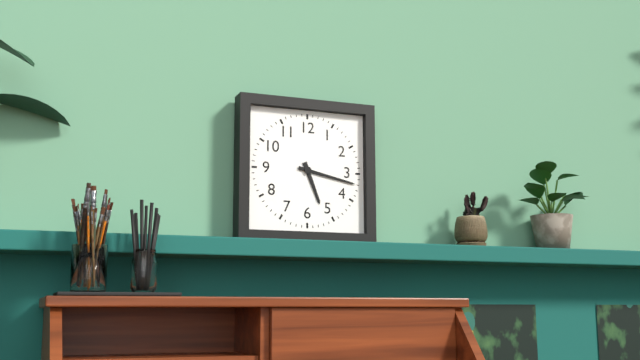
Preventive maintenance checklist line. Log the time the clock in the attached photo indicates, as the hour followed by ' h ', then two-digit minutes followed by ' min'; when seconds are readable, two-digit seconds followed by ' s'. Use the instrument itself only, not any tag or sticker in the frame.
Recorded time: 5 h 17 min
